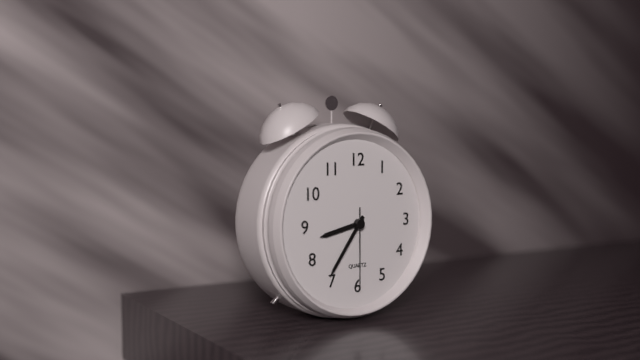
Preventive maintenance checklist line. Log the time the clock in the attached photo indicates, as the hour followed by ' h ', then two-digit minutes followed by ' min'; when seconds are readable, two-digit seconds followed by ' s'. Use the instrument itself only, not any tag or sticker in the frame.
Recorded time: 8 h 36 min 30 s
